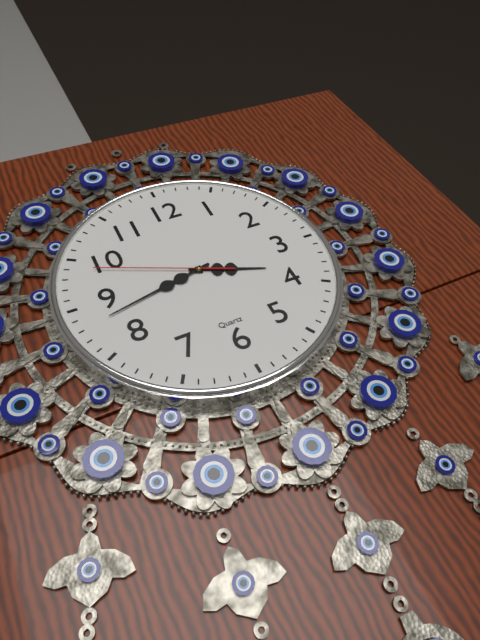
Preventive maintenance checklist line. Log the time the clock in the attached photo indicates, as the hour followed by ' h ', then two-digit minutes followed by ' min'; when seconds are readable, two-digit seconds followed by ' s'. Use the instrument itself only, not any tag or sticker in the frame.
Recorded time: 3 h 43 min 49 s
